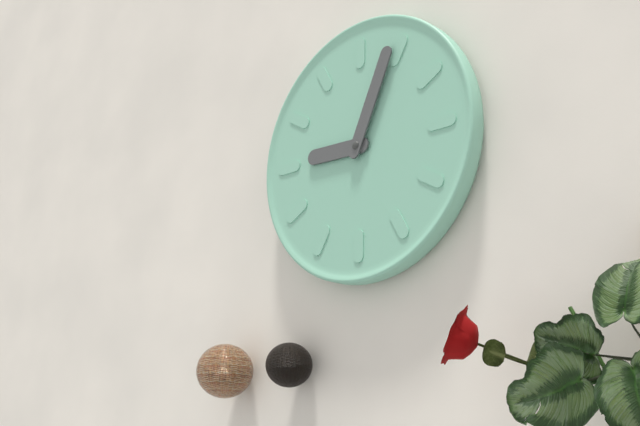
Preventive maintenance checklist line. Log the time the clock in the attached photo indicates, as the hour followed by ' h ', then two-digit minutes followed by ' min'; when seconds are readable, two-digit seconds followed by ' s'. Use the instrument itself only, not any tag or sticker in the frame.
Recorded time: 9 h 04 min
